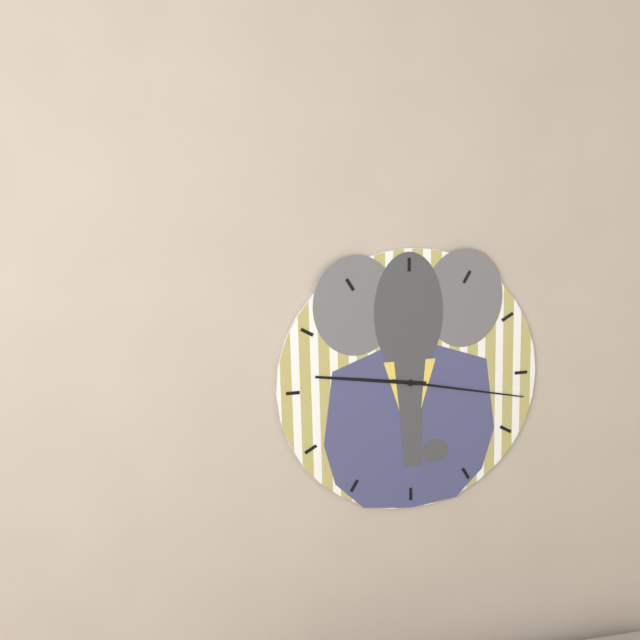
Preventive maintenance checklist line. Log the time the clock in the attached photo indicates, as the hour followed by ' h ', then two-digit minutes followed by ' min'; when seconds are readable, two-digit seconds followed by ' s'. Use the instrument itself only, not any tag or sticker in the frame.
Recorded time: 9 h 17 min
